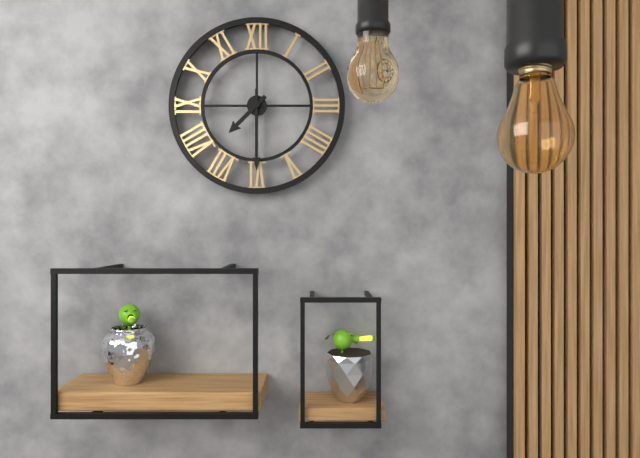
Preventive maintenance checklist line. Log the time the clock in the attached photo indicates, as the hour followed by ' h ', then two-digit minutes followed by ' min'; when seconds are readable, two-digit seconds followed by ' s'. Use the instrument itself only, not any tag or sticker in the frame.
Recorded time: 7 h 30 min
